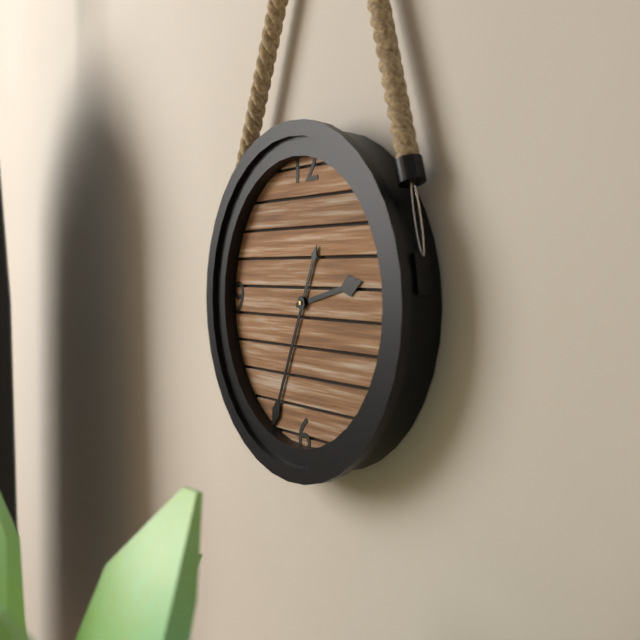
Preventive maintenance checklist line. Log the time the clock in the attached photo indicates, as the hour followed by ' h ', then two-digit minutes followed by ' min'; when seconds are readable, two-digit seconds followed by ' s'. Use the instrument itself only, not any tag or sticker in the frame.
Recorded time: 2 h 34 min
